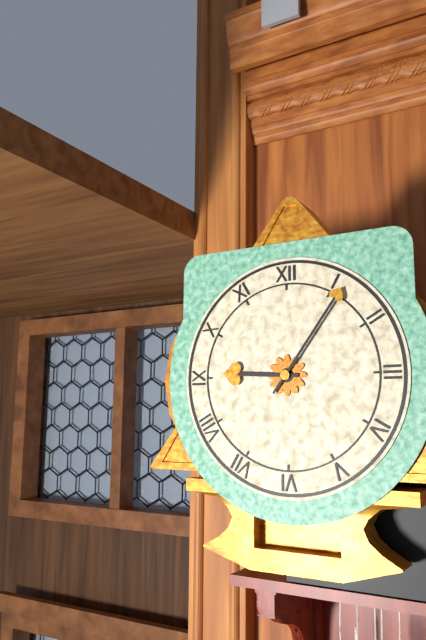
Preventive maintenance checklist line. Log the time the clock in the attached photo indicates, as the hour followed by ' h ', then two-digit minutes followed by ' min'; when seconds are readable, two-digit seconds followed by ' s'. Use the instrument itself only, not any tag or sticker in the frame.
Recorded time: 9 h 06 min
